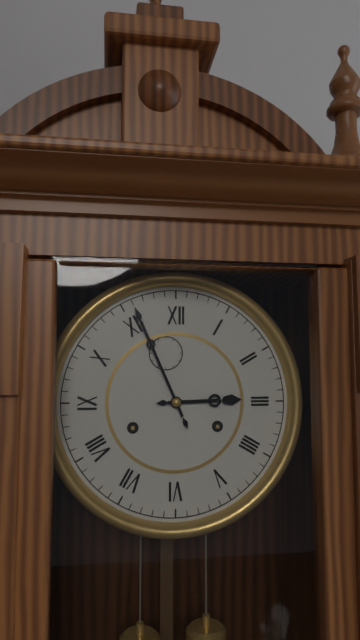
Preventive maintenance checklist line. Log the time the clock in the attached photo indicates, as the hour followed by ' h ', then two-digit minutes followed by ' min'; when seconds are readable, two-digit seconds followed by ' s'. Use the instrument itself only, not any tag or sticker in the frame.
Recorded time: 2 h 56 min
